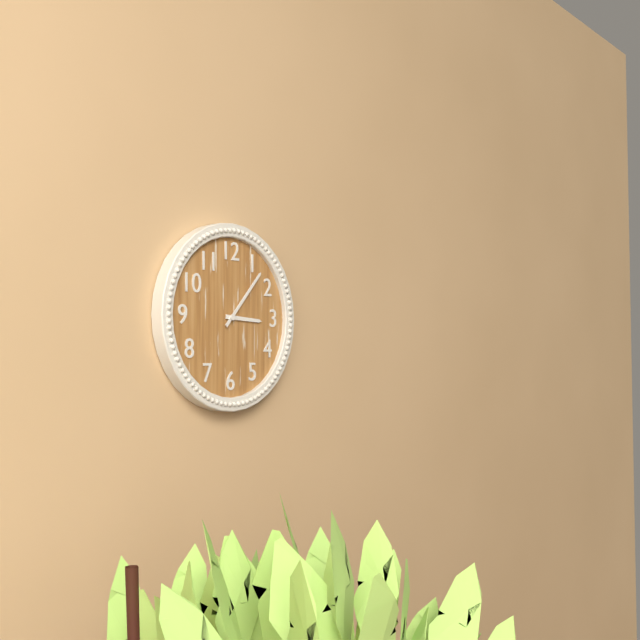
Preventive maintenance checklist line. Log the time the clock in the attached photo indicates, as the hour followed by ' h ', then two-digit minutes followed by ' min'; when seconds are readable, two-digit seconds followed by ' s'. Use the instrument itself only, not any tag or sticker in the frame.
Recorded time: 3 h 07 min
